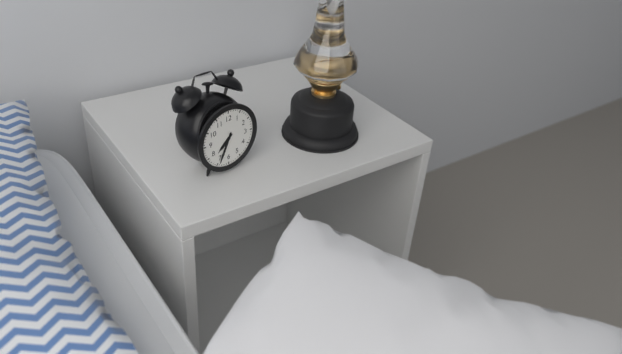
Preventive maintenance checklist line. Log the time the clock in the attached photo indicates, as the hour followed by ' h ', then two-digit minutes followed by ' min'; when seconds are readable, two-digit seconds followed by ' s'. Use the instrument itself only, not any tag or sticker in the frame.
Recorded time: 7 h 34 min
